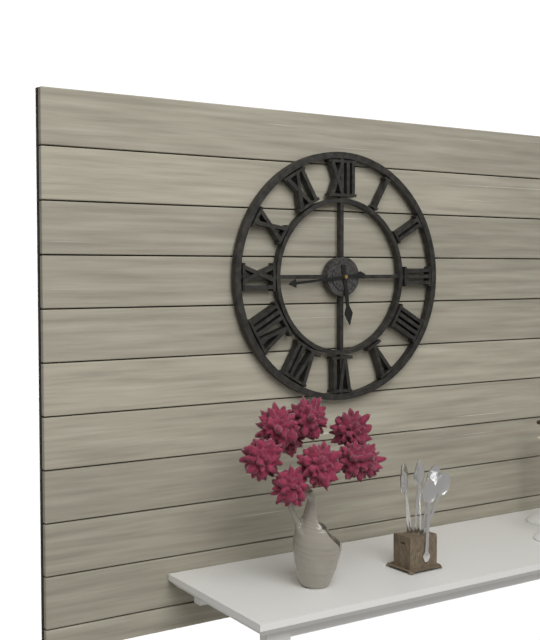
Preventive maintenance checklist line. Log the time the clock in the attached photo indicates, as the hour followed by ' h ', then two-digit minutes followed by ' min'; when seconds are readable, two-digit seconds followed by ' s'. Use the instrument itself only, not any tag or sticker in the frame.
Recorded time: 5 h 44 min
